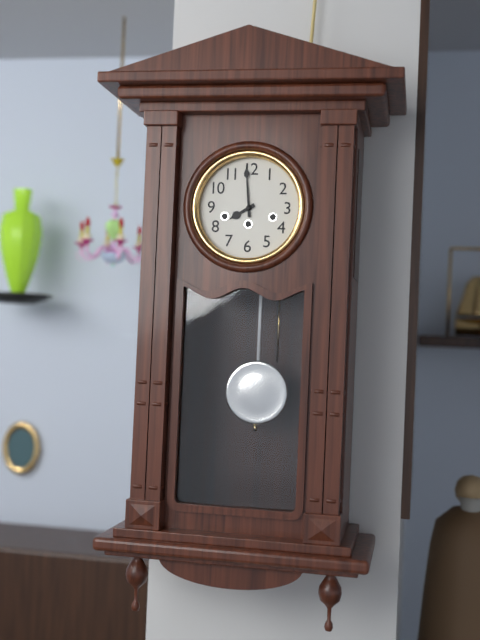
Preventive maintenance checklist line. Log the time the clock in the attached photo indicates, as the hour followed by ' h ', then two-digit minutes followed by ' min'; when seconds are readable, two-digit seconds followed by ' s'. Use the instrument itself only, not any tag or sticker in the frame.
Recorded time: 7 h 59 min
